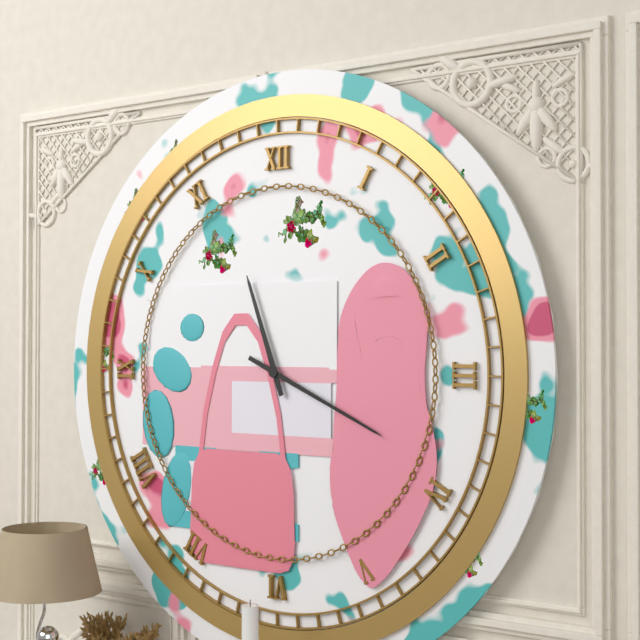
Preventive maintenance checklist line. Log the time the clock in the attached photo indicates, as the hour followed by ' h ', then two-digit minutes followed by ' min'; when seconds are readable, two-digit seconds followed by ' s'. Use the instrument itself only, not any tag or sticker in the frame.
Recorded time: 11 h 19 min
